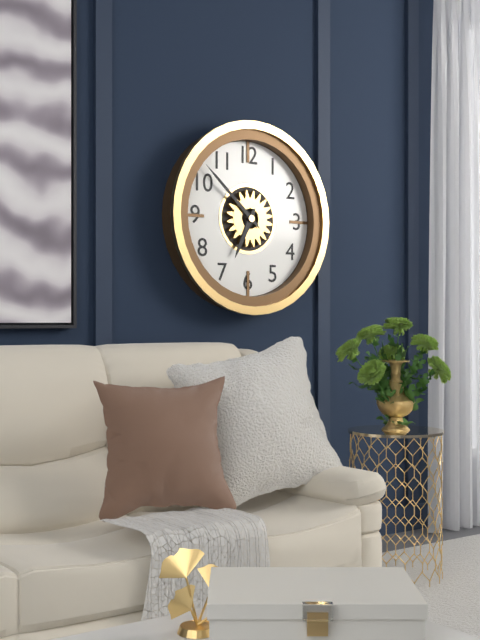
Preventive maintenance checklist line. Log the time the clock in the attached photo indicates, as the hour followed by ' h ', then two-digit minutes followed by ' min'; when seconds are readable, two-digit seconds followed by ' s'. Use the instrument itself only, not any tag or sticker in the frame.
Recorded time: 6 h 52 min
